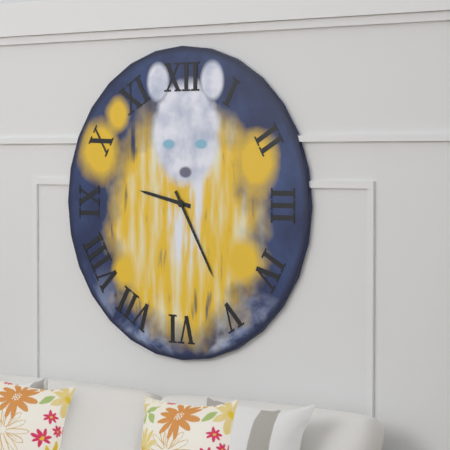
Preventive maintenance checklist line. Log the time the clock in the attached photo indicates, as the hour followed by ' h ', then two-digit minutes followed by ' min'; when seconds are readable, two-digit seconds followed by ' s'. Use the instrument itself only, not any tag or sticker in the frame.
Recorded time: 9 h 25 min
